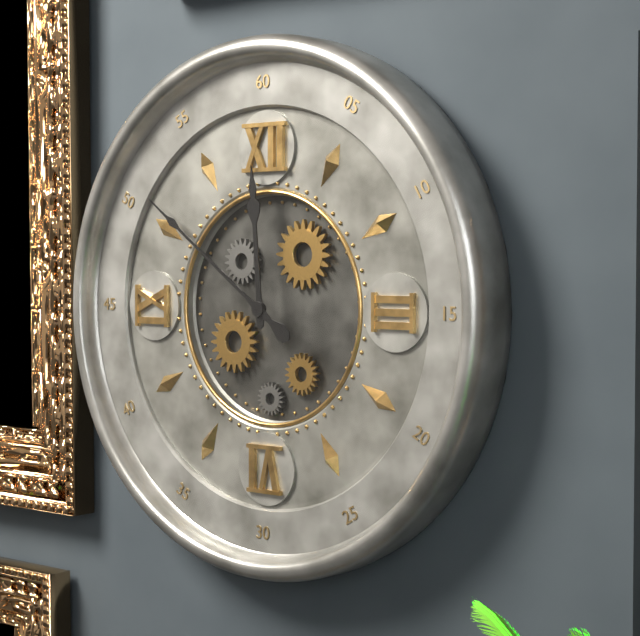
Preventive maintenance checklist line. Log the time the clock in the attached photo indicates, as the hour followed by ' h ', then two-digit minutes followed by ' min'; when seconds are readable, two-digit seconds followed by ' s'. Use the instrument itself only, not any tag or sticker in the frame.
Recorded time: 11 h 51 min
